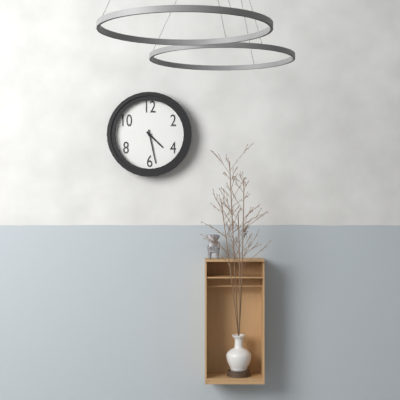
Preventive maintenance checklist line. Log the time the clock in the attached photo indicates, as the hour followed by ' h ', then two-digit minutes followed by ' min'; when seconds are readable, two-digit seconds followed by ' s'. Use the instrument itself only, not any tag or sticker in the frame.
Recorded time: 4 h 28 min
